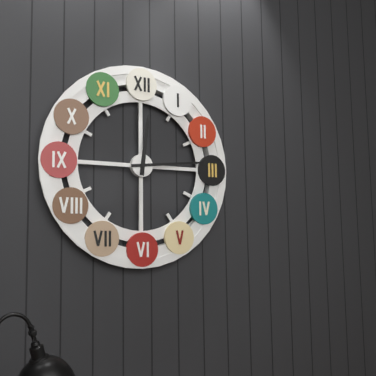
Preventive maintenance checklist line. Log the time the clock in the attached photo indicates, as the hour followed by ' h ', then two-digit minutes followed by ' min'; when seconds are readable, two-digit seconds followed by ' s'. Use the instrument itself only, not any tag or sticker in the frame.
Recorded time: 12 h 14 min
